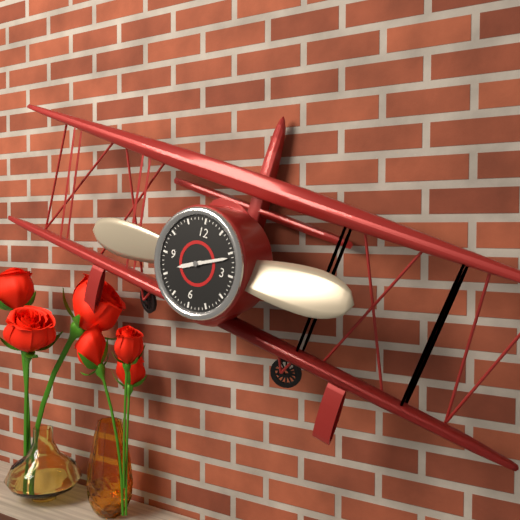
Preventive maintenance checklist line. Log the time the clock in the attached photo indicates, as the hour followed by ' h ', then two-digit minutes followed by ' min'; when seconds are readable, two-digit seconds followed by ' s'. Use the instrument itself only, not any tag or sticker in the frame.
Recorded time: 8 h 11 min
